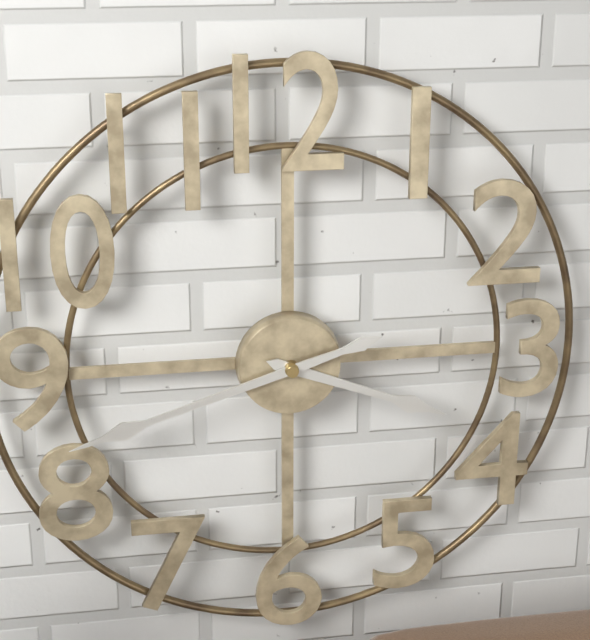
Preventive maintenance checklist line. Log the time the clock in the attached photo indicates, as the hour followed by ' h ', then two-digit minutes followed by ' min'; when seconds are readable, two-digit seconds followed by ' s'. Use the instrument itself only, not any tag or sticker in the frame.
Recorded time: 3 h 42 min
